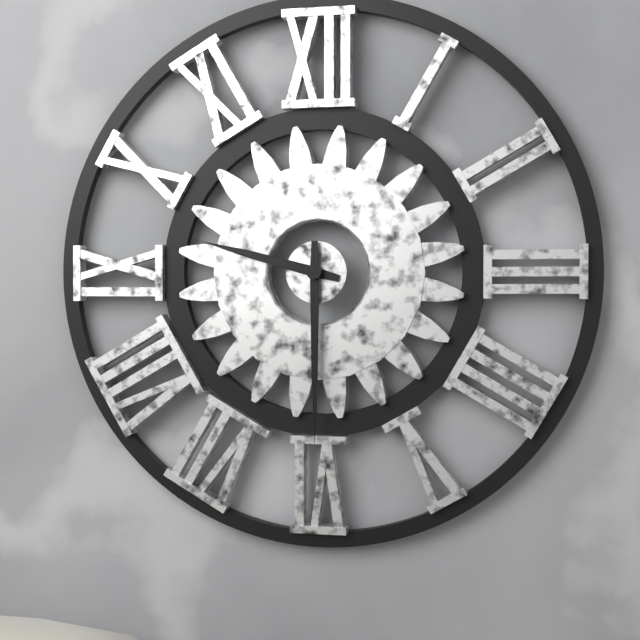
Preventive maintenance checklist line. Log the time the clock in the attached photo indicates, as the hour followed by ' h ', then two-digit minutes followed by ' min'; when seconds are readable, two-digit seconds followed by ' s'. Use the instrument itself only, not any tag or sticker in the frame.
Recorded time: 9 h 30 min
